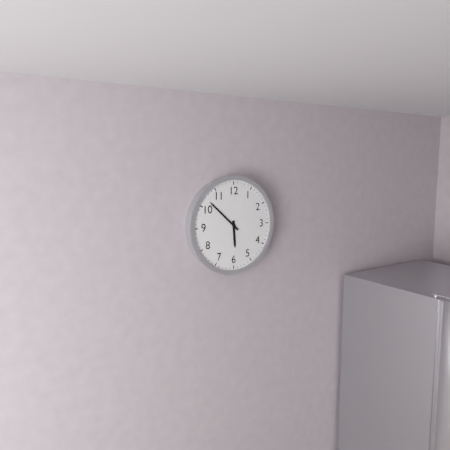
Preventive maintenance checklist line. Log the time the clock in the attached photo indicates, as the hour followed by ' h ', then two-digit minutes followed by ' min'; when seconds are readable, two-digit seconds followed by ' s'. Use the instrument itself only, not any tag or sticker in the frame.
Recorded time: 5 h 52 min
